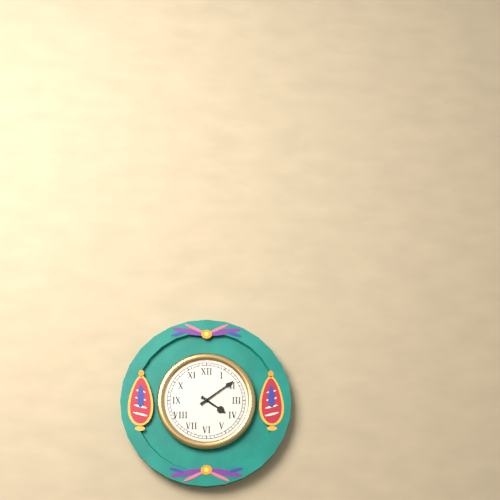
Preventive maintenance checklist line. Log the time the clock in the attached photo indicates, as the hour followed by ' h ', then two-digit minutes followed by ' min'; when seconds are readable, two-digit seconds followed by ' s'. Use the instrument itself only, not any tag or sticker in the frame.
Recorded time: 4 h 09 min
